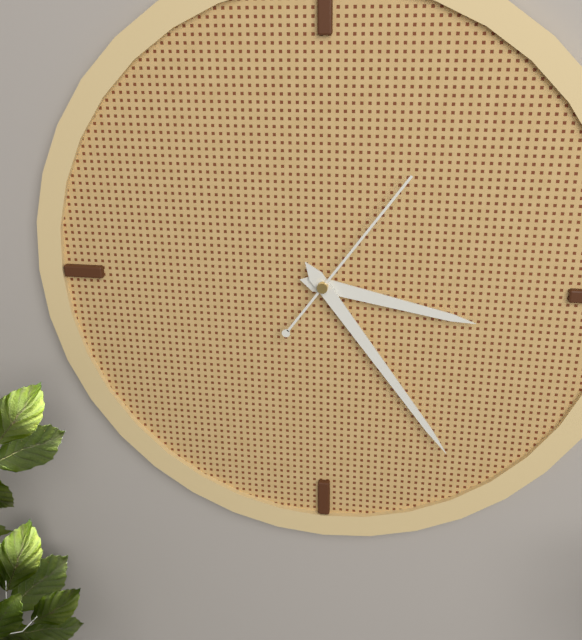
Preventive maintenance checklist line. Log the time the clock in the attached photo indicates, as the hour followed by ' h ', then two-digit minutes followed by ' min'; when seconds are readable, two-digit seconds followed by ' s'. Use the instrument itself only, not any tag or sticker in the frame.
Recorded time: 3 h 24 min 06 s
